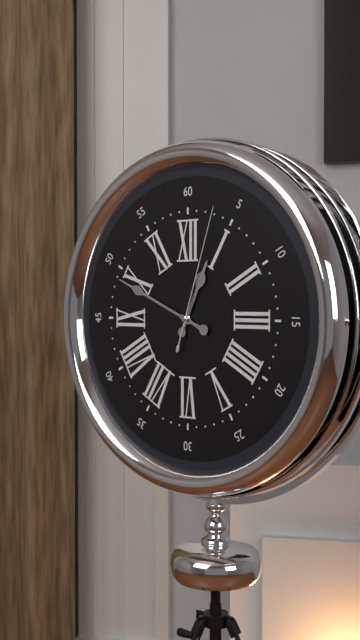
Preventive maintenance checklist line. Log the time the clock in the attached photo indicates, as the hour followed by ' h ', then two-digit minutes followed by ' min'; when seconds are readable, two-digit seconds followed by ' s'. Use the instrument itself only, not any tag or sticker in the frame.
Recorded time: 12 h 49 min 03 s
